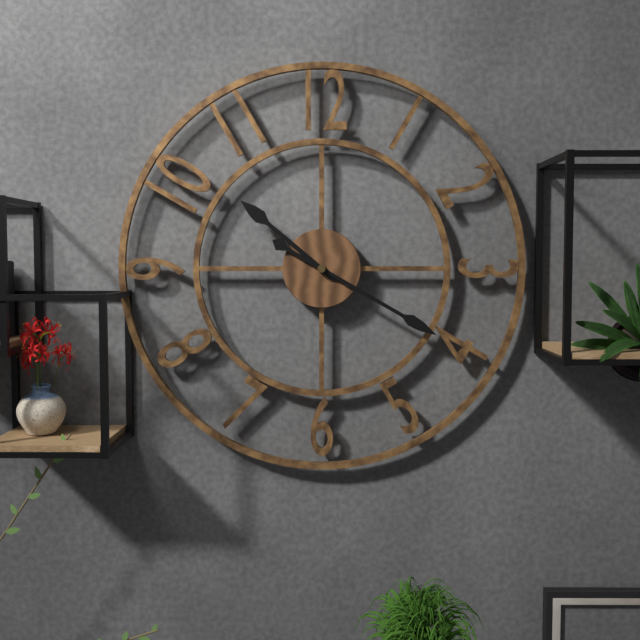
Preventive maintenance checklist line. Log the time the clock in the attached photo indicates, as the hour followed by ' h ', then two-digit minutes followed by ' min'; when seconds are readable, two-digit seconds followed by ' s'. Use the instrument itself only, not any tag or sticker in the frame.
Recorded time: 10 h 20 min
